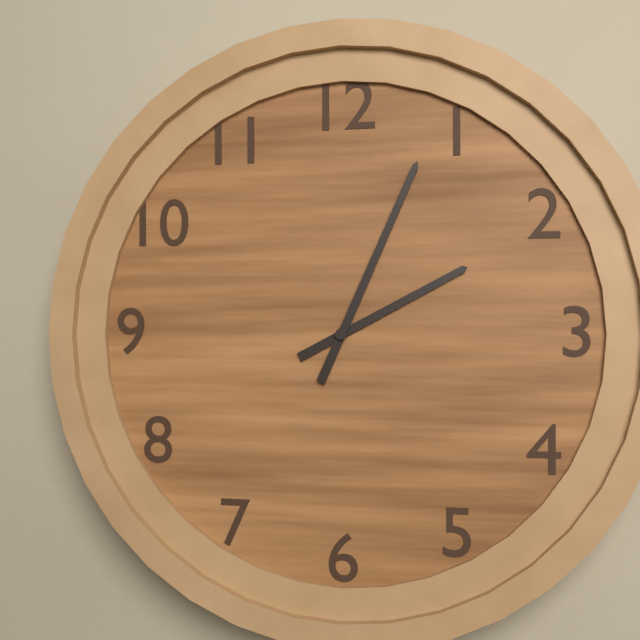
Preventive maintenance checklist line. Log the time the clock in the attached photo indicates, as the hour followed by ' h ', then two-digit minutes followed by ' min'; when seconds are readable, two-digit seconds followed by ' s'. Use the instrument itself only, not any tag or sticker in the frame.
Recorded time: 2 h 04 min
